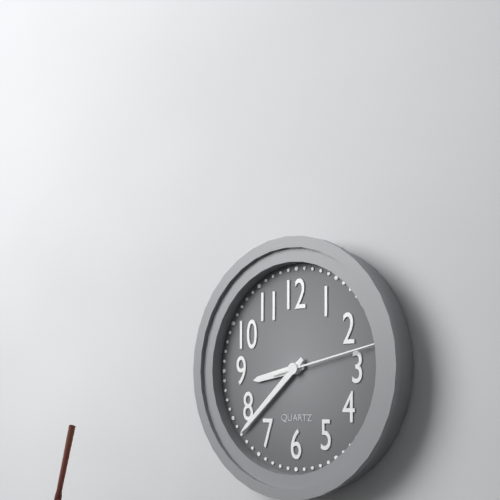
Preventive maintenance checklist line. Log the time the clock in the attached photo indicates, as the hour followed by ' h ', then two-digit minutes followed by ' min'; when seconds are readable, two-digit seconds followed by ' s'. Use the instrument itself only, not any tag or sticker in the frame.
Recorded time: 8 h 38 min 13 s
